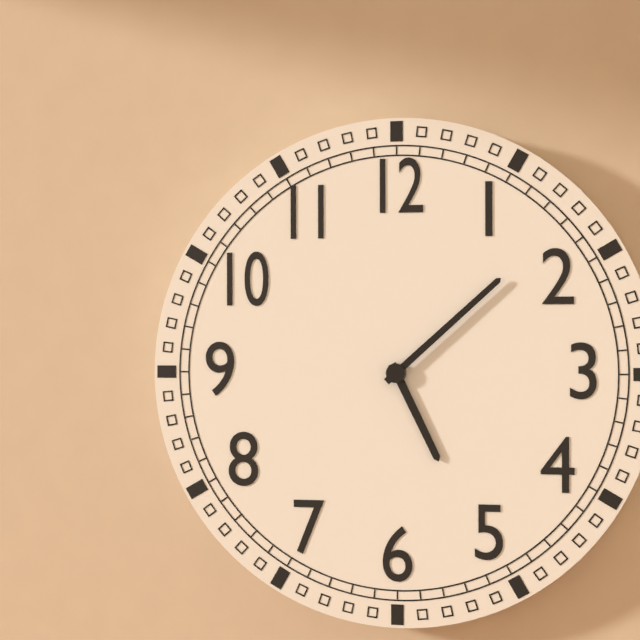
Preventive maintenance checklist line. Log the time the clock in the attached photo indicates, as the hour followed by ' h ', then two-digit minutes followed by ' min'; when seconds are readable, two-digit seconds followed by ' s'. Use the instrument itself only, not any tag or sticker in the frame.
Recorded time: 5 h 08 min
